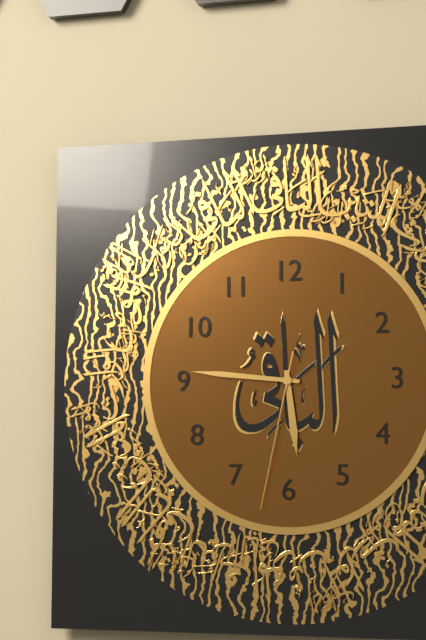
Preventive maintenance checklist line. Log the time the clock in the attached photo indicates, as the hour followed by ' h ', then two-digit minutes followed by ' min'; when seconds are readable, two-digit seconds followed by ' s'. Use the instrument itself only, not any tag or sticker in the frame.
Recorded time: 5 h 46 min 32 s
